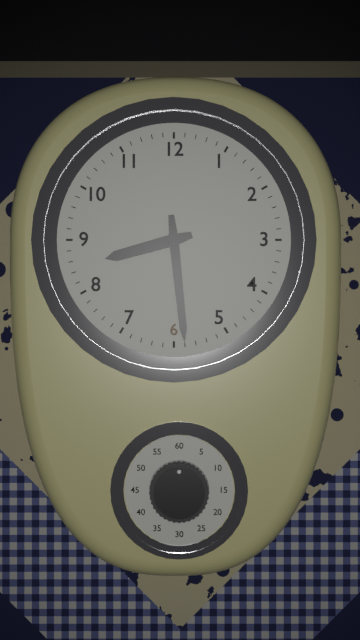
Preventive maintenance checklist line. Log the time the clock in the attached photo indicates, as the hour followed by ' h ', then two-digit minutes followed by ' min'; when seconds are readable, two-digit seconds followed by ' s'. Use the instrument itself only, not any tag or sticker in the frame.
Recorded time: 8 h 29 min
